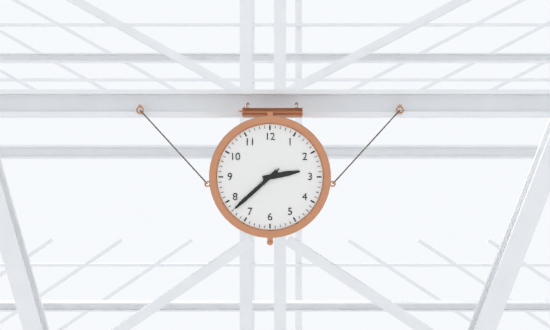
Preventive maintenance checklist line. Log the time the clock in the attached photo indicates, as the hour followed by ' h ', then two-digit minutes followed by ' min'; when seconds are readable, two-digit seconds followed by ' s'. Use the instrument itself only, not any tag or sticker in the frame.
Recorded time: 2 h 38 min 38 s
